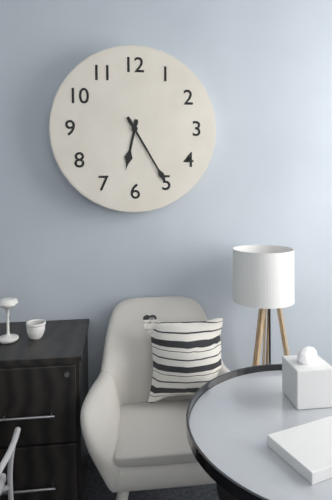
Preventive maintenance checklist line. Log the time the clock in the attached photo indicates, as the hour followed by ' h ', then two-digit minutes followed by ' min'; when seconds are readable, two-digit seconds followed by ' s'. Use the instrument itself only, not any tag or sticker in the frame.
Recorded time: 6 h 25 min
